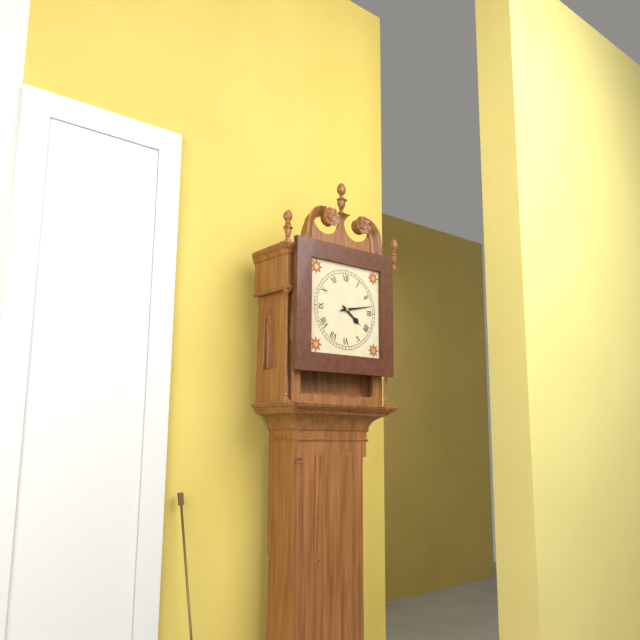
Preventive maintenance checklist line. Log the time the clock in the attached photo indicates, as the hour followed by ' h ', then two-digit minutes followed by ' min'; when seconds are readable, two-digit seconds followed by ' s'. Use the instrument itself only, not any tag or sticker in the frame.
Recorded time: 4 h 13 min
